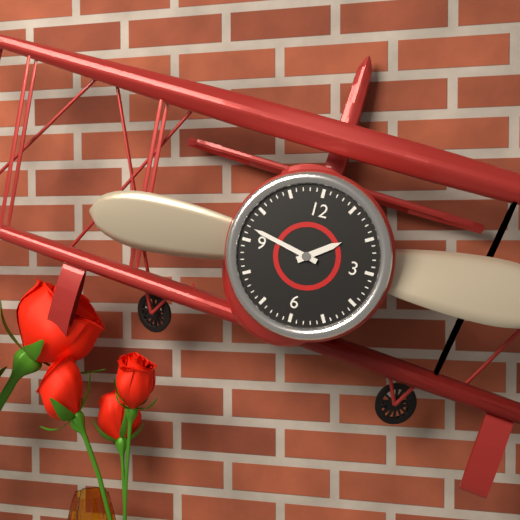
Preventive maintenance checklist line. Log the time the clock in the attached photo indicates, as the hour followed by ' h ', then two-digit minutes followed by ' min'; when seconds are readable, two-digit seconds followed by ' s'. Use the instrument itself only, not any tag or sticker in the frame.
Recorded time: 1 h 47 min
